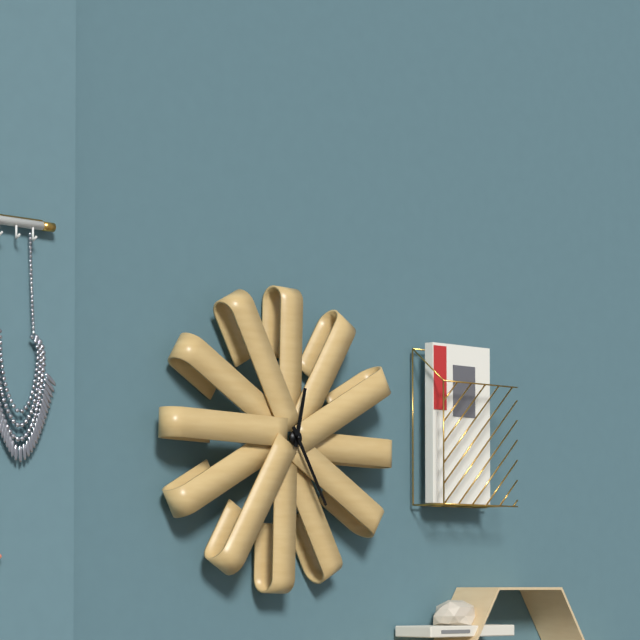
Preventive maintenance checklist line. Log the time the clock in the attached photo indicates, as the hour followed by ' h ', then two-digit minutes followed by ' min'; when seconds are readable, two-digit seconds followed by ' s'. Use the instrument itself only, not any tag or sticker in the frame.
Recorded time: 12 h 25 min
